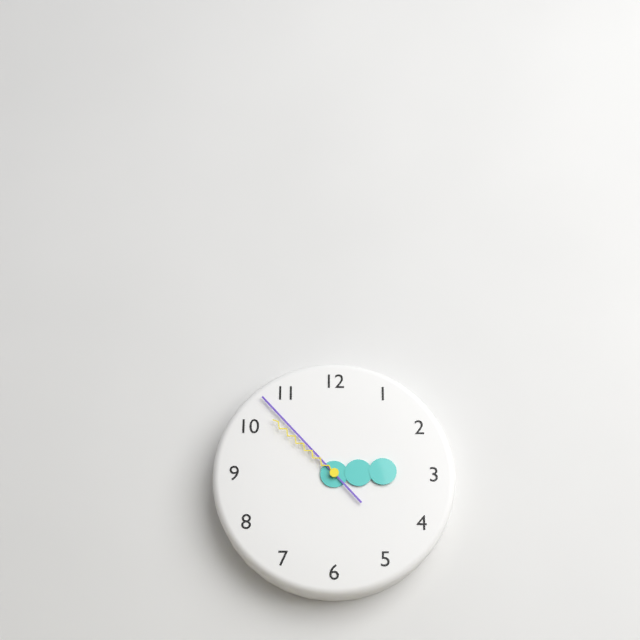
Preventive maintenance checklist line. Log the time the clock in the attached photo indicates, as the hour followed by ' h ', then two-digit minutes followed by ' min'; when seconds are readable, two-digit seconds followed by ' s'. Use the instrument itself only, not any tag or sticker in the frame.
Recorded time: 2 h 53 min 52 s
